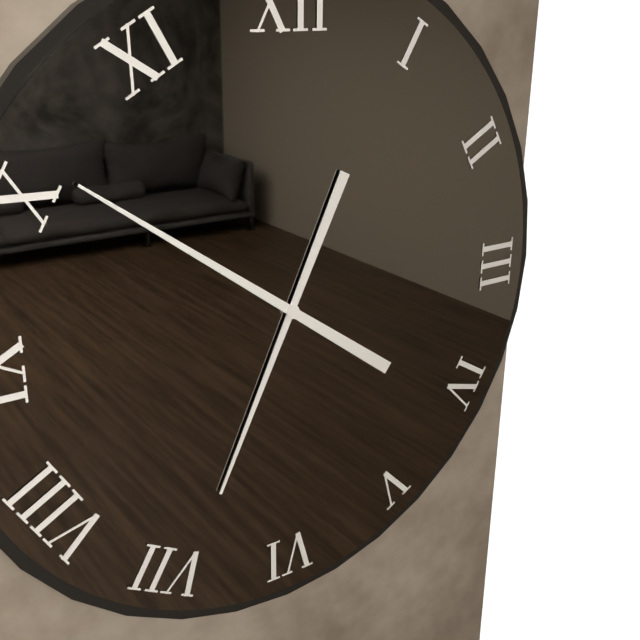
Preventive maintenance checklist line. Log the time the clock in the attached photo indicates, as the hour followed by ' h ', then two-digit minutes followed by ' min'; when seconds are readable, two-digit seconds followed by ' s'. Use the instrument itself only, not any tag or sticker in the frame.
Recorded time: 6 h 51 min
